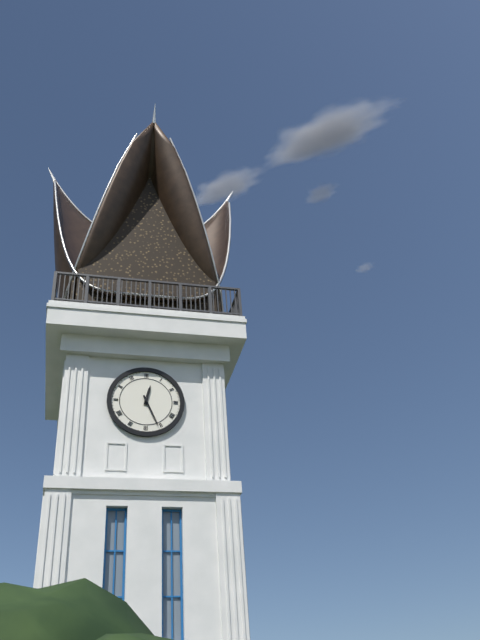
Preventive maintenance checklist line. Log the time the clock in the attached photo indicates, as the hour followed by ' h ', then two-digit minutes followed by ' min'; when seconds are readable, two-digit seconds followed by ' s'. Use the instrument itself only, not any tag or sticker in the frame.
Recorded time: 12 h 26 min
